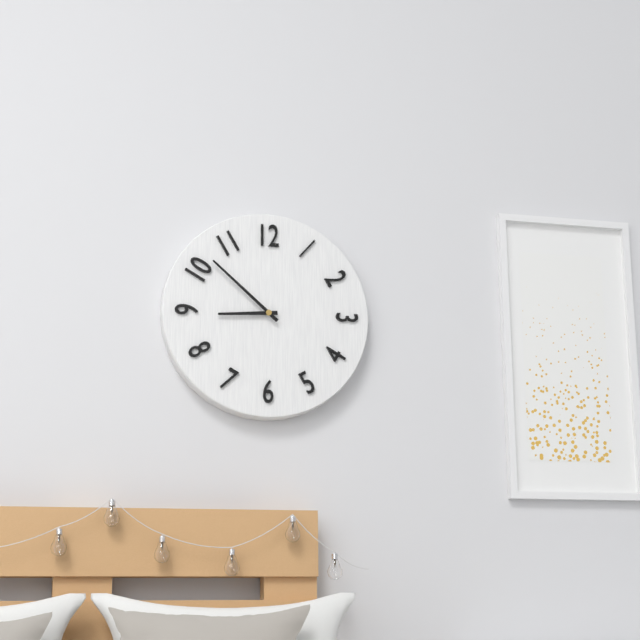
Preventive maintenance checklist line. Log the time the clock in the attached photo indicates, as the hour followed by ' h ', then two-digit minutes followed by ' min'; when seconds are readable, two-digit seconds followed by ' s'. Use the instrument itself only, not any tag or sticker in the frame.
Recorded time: 8 h 52 min
